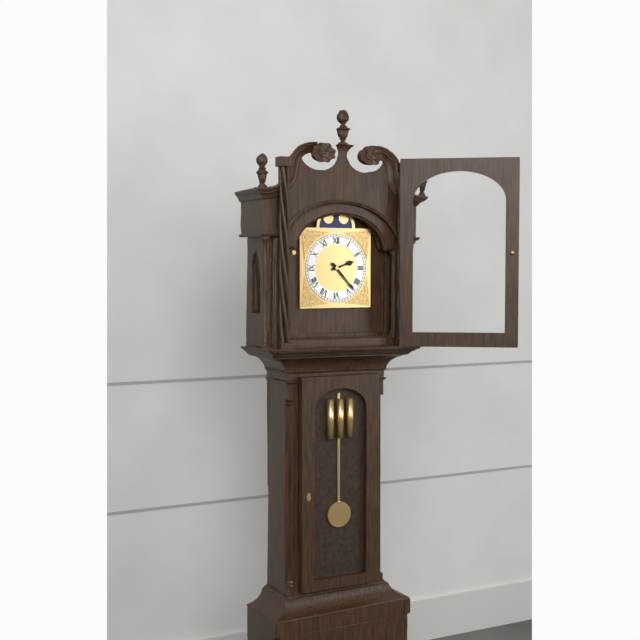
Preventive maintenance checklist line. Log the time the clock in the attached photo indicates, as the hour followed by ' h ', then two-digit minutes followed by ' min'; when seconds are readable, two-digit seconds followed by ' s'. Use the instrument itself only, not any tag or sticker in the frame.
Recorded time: 2 h 23 min
